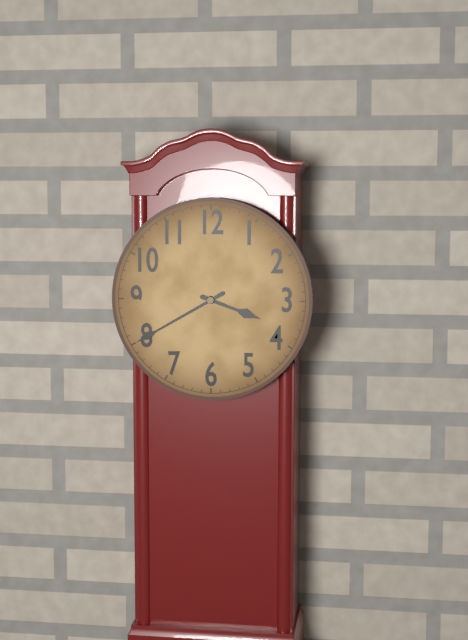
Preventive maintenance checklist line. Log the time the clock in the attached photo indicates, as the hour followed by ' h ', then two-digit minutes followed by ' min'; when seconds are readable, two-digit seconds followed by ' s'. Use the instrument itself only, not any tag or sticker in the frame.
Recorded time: 3 h 40 min
